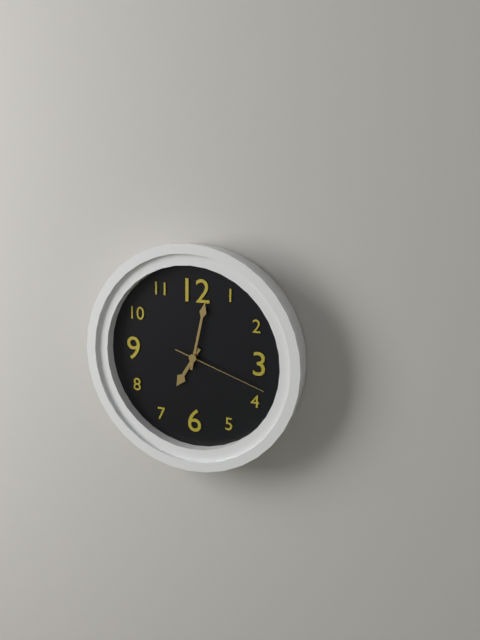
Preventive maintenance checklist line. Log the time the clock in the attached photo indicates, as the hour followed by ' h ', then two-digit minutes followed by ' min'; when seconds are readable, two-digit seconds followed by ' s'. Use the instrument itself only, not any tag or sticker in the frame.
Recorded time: 7 h 02 min 18 s
